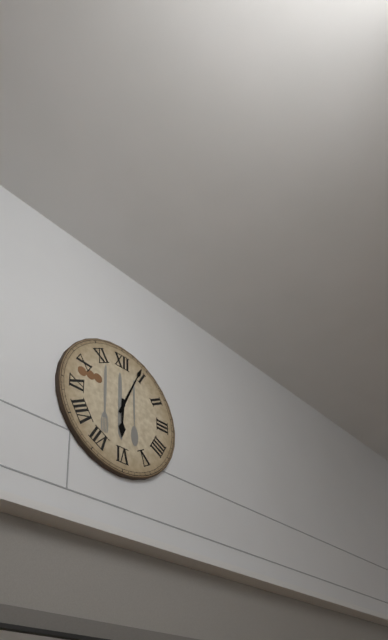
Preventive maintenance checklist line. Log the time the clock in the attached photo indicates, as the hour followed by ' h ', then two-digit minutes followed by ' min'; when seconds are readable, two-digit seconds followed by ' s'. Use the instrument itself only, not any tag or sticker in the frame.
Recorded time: 6 h 04 min
